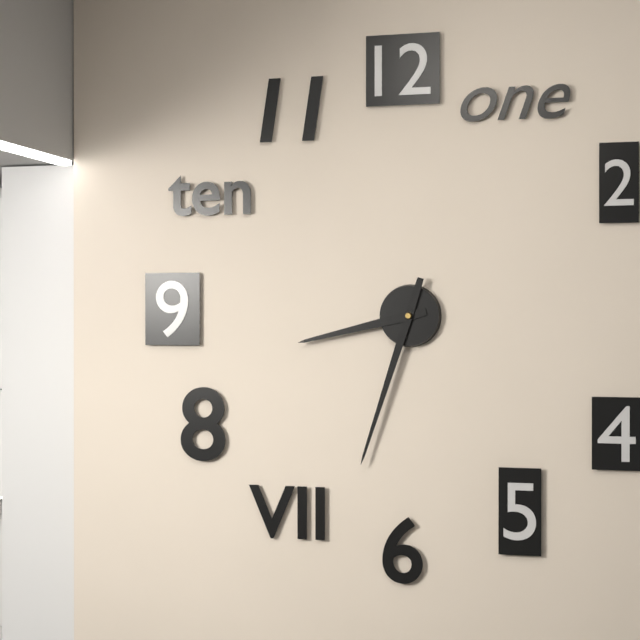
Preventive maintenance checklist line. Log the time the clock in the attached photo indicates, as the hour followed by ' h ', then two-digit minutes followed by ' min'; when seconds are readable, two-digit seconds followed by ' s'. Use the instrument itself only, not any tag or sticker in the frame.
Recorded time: 8 h 33 min
